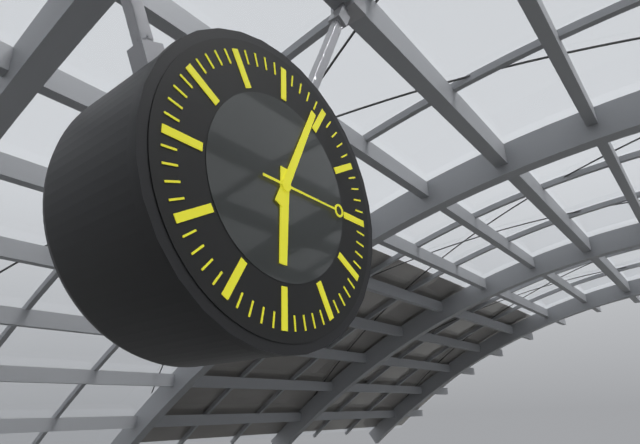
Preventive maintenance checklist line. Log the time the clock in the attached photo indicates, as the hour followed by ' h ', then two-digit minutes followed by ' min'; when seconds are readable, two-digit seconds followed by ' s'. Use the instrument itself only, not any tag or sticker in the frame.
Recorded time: 6 h 04 min 15 s
